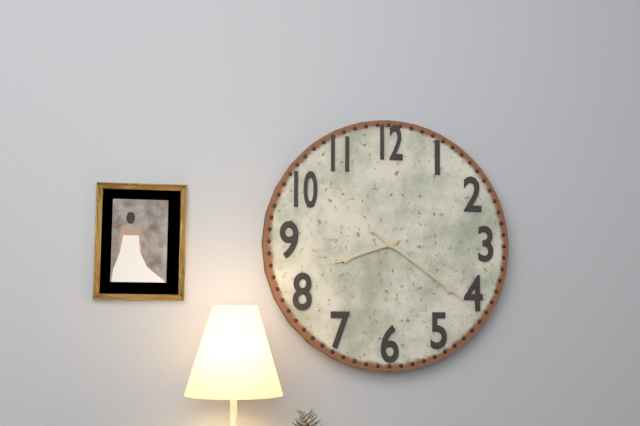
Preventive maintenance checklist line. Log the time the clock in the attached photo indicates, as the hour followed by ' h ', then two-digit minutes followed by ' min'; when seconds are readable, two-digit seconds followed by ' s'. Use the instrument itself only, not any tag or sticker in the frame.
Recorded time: 8 h 21 min
